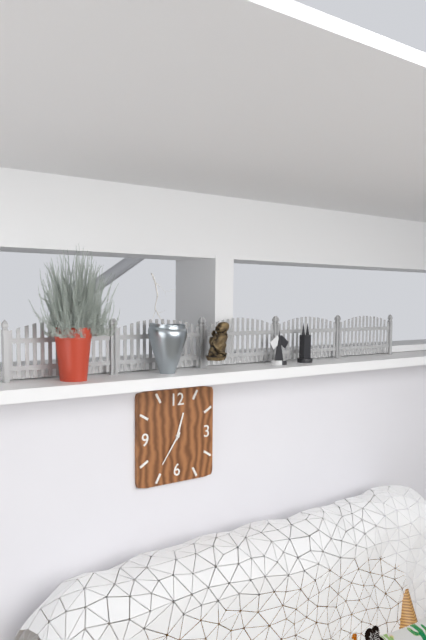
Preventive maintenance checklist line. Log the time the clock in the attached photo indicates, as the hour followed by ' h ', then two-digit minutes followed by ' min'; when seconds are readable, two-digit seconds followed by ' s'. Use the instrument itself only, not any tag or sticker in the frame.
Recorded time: 12 h 36 min
